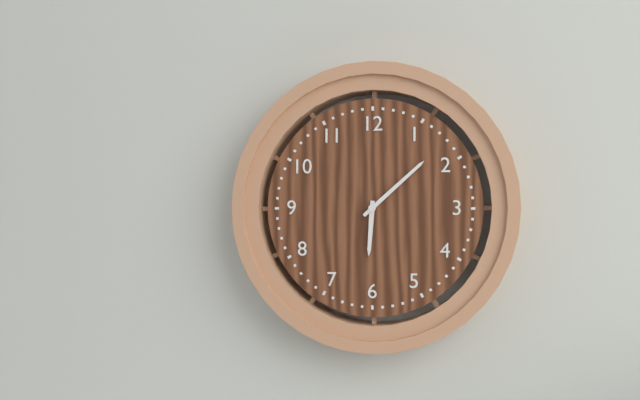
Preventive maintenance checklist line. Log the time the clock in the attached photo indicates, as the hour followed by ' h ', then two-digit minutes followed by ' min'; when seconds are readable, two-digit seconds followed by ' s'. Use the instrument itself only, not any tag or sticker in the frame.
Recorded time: 6 h 08 min
